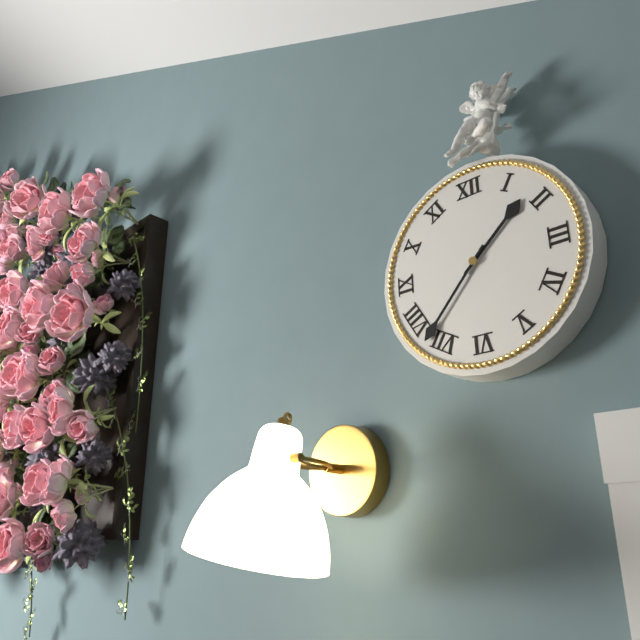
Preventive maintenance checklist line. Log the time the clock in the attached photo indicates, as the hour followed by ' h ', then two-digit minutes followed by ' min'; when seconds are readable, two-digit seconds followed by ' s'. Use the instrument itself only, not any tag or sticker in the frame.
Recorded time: 1 h 37 min
